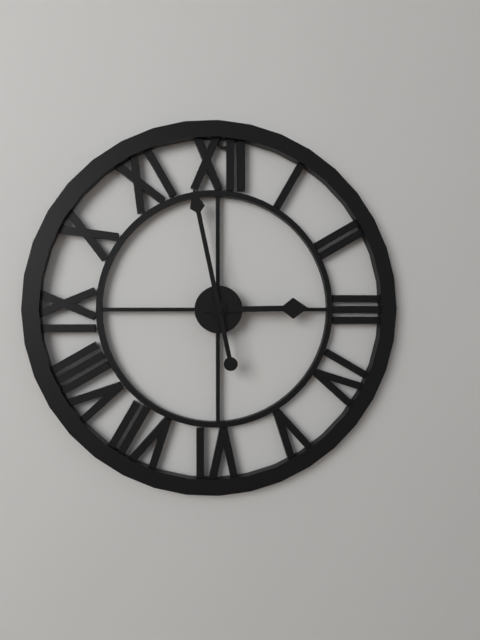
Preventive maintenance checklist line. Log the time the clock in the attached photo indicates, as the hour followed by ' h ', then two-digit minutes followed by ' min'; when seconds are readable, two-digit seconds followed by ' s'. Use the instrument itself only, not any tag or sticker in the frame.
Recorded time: 2 h 58 min
